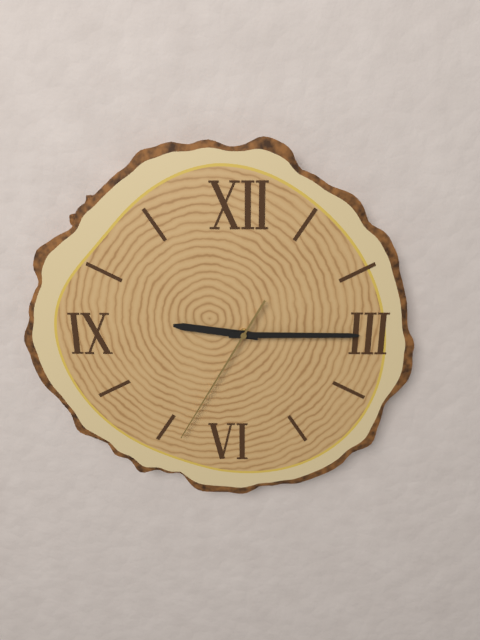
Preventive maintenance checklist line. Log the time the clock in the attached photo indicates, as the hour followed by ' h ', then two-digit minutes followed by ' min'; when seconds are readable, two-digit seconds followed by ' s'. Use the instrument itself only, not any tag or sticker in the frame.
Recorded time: 9 h 15 min 35 s
